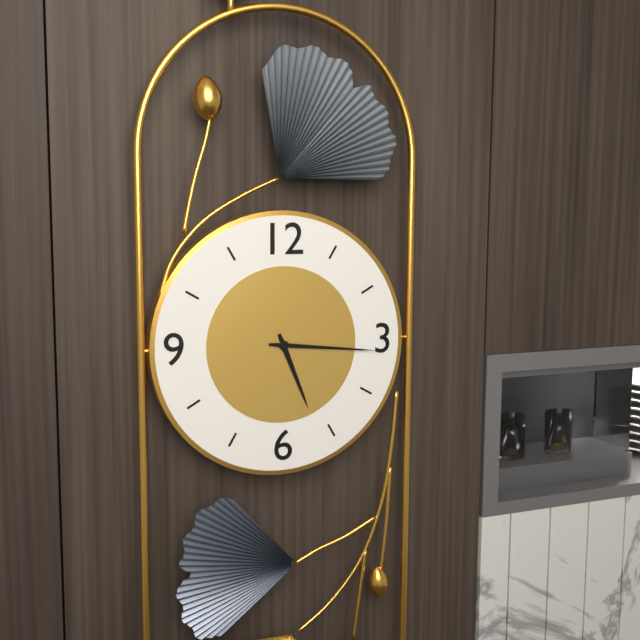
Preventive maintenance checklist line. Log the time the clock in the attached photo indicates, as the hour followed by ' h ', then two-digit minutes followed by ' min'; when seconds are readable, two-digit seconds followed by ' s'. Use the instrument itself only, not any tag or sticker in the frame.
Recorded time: 5 h 16 min
